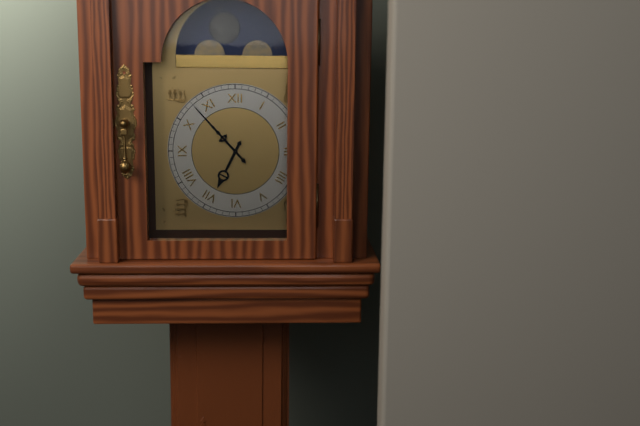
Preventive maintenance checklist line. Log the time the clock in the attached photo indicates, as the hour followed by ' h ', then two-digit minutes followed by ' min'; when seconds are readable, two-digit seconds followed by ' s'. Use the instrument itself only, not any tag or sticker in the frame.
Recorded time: 6 h 53 min
